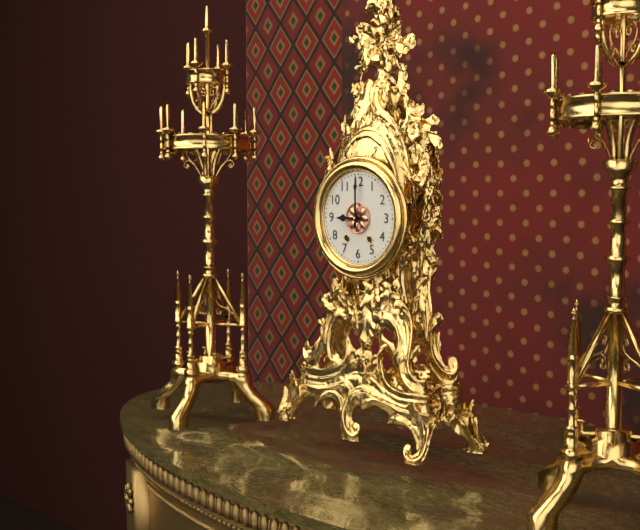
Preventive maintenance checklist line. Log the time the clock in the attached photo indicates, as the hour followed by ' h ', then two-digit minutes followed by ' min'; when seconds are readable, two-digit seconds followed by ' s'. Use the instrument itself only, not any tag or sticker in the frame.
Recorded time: 9 h 00 min
